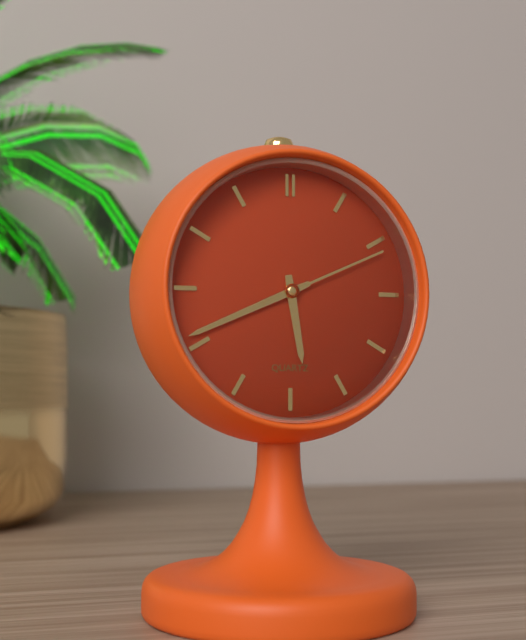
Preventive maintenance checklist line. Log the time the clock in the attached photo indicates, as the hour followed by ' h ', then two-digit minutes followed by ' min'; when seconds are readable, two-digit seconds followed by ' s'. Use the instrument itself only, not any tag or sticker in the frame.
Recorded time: 5 h 41 min 11 s
